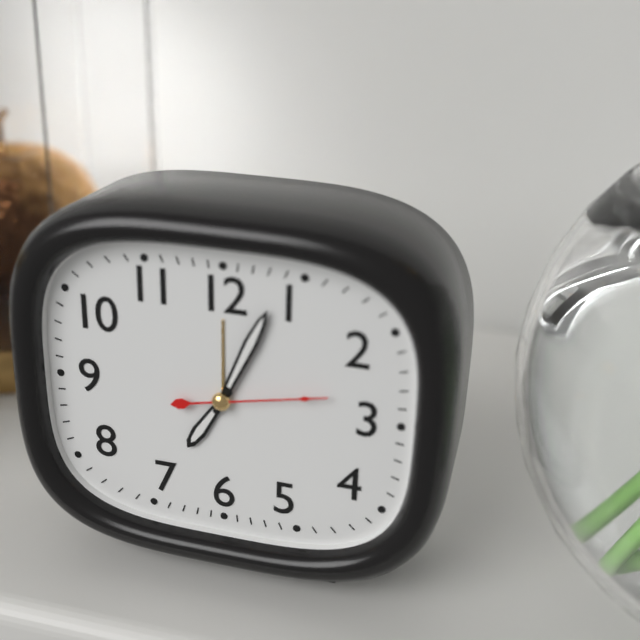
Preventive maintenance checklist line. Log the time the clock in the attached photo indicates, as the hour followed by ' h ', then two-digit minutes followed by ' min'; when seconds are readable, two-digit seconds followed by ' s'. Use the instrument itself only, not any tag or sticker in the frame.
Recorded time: 7 h 04 min 13 s
